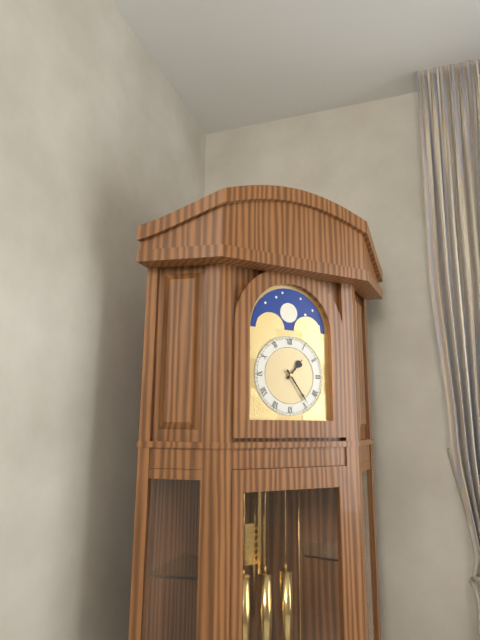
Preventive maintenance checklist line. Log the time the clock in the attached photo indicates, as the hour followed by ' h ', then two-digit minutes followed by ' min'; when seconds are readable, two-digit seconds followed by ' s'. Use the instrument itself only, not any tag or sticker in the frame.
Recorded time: 1 h 24 min
